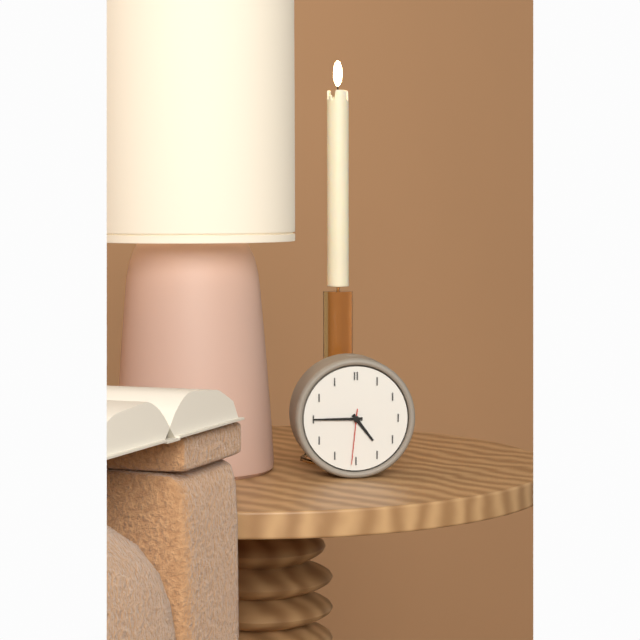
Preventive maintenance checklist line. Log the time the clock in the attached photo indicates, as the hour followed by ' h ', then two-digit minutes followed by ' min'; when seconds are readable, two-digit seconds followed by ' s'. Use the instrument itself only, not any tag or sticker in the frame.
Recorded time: 4 h 45 min 31 s
